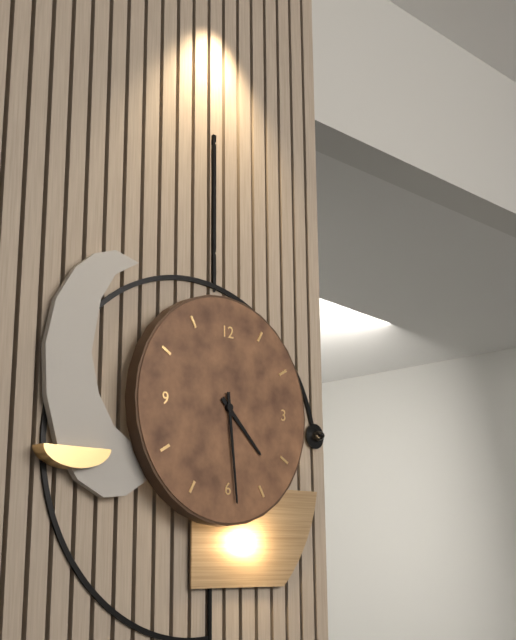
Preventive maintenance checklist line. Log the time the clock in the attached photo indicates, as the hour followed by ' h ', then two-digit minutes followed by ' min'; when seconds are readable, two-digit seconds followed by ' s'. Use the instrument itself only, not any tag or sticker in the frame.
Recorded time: 4 h 29 min
